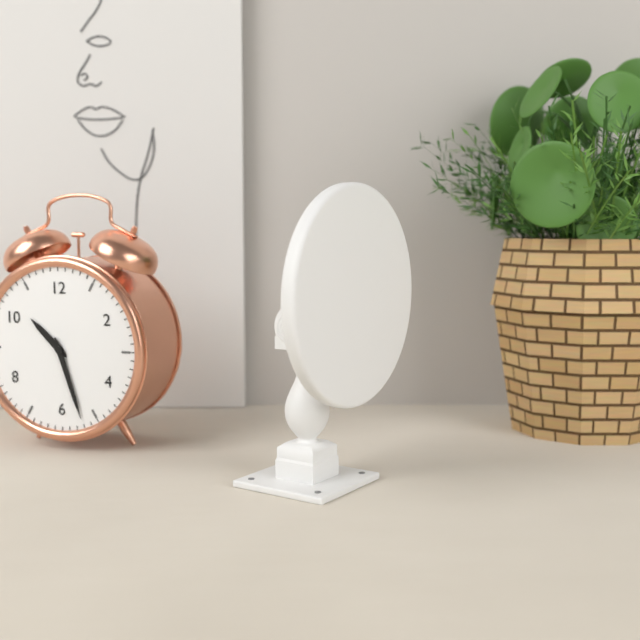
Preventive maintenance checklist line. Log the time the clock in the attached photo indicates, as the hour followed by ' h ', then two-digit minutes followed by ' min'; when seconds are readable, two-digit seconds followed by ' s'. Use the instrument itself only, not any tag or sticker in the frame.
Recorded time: 10 h 27 min
